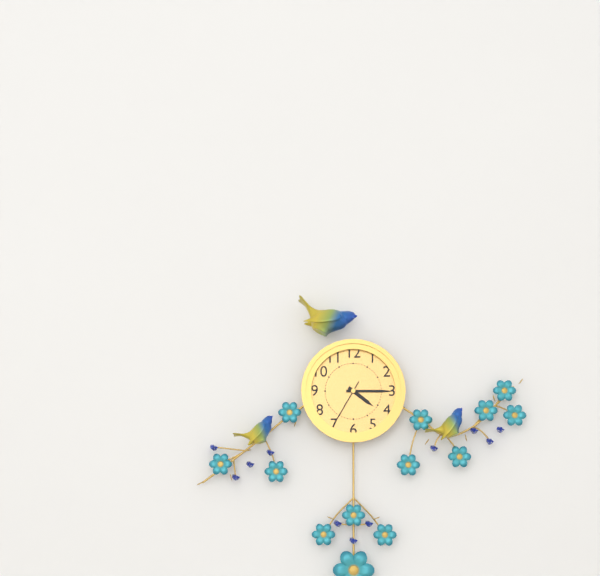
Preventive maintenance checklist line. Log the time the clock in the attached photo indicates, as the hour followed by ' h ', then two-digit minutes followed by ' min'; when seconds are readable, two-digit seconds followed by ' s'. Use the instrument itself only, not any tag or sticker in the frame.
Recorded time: 4 h 15 min 35 s
